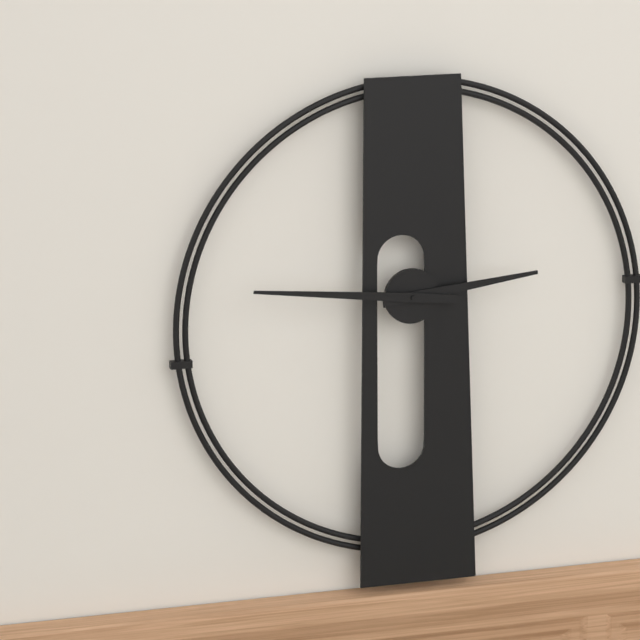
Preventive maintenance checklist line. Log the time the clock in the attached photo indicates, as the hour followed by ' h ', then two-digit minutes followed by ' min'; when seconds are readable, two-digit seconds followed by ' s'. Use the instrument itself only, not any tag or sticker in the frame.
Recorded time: 2 h 46 min
